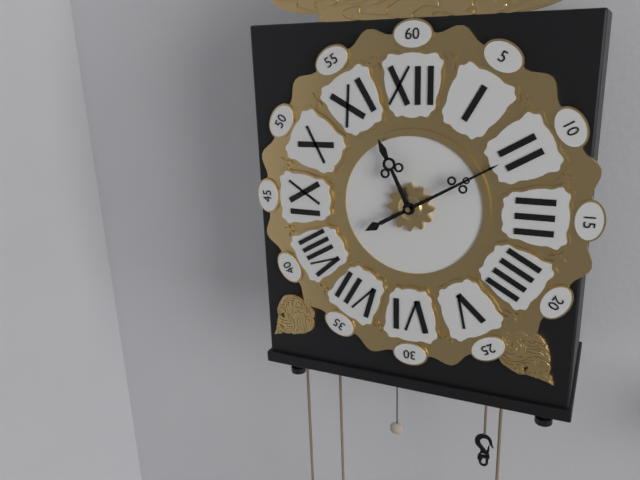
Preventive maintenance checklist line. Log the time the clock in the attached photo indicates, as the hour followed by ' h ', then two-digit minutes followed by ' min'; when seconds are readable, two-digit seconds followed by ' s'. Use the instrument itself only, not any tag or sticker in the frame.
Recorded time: 11 h 10 min
